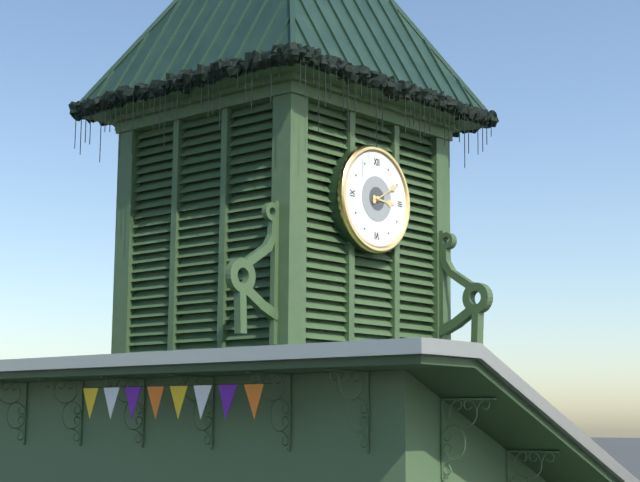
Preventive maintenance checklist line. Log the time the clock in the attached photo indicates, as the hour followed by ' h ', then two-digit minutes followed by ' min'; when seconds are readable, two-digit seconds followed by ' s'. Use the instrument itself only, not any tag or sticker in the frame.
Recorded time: 3 h 10 min
